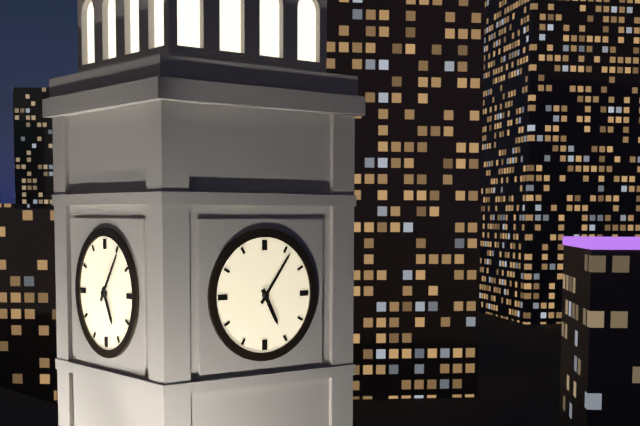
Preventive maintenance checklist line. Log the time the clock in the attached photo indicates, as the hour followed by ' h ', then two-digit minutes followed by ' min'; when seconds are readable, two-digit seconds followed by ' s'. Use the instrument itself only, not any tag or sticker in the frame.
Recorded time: 5 h 06 min
